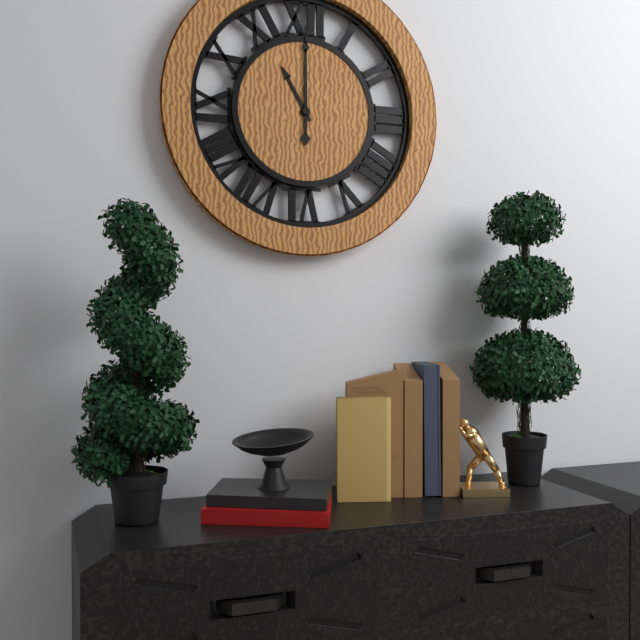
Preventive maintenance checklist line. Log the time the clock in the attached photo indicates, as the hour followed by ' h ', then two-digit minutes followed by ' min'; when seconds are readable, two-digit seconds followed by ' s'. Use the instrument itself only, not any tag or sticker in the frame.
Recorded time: 11 h 00 min
